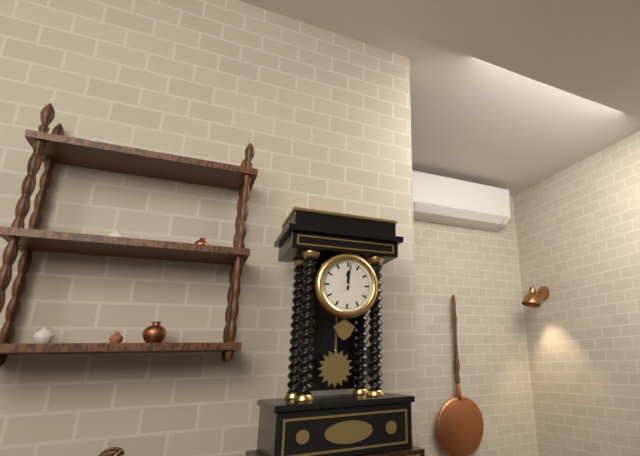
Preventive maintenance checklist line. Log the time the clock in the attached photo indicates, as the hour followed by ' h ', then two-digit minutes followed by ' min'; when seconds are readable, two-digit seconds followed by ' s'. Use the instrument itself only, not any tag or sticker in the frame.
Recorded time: 12 h 01 min
